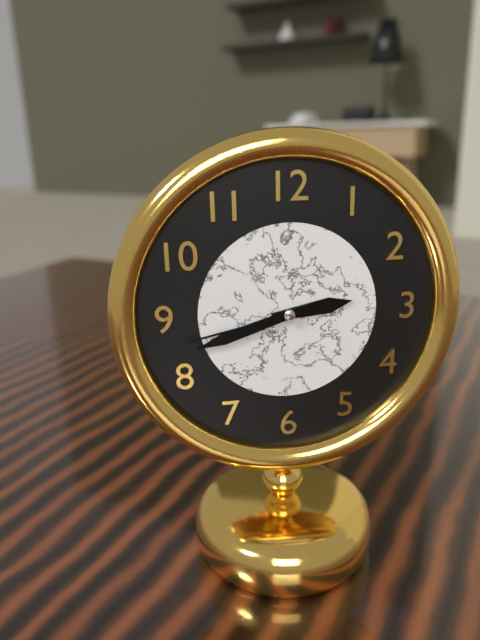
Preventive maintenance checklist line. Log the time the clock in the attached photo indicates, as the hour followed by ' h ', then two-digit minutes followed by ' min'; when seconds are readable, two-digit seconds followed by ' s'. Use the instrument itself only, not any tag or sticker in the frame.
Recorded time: 2 h 42 min 43 s
